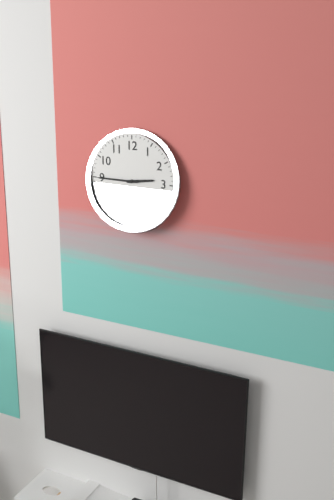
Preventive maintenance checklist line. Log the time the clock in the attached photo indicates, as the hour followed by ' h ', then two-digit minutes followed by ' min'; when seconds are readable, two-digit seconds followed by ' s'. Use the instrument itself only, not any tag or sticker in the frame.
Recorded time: 2 h 45 min
